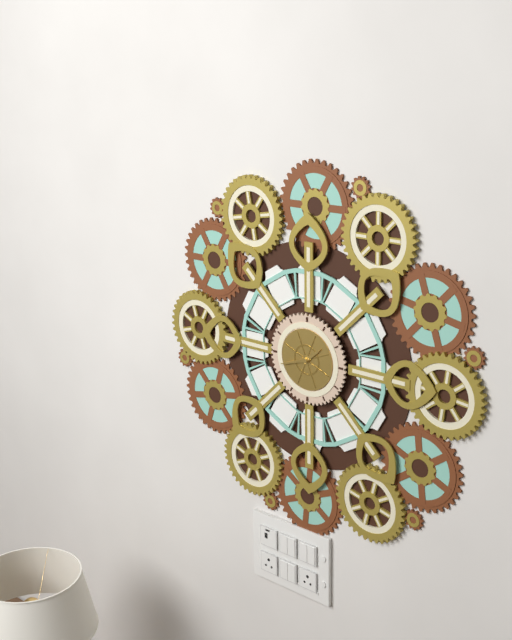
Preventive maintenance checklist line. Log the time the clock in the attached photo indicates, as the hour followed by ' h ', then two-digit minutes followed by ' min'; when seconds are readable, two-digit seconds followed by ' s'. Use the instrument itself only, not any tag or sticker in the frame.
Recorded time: 1 h 42 min
